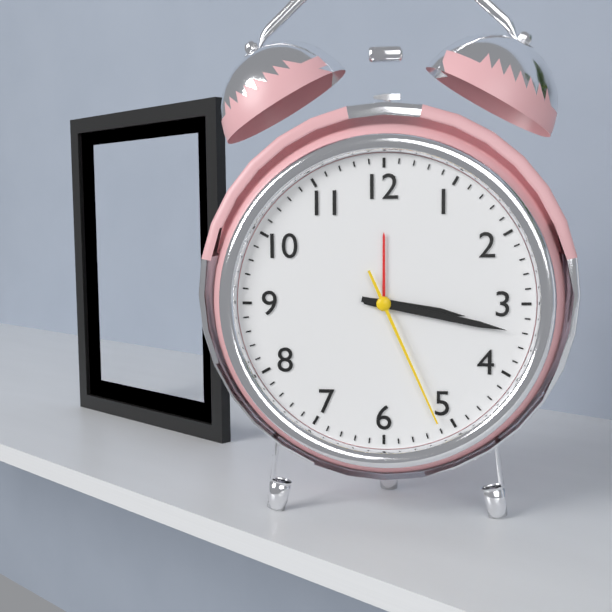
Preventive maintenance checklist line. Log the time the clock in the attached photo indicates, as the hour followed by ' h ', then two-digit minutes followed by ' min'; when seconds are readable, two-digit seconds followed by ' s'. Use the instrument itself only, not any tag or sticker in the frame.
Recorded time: 3 h 17 min 26 s
